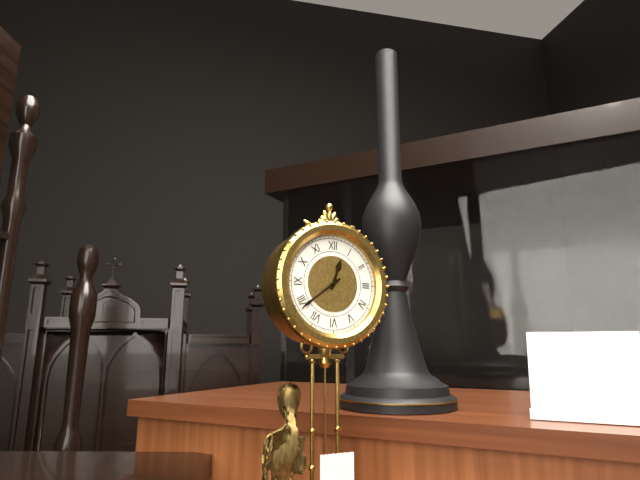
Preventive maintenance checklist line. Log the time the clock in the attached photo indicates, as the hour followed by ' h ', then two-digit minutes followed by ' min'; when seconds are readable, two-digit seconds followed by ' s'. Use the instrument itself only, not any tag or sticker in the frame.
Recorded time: 12 h 39 min
